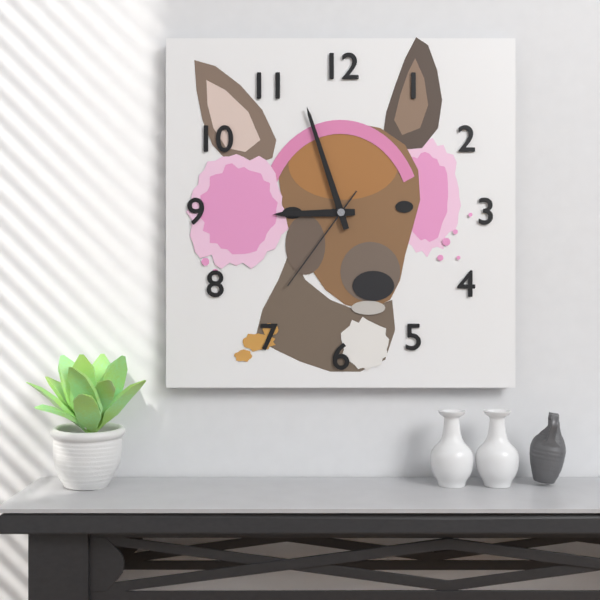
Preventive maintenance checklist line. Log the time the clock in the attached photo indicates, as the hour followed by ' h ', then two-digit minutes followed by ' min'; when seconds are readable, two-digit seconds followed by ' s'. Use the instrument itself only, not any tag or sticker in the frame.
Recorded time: 8 h 57 min 36 s
